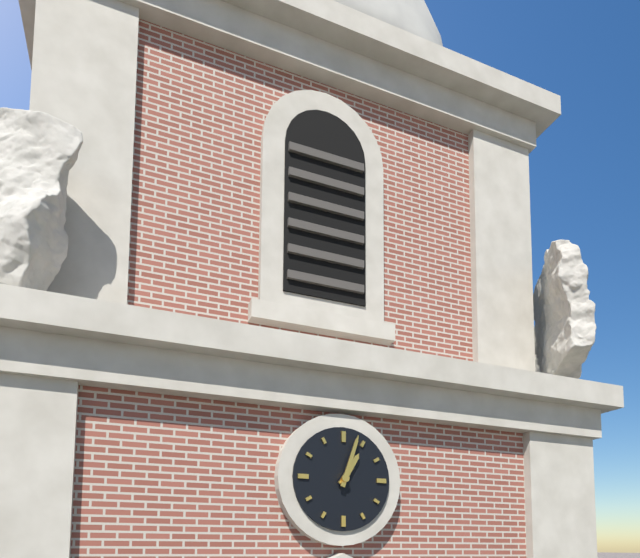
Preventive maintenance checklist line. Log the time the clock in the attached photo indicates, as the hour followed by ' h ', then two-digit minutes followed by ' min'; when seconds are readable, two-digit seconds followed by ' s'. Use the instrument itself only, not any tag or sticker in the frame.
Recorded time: 1 h 03 min
